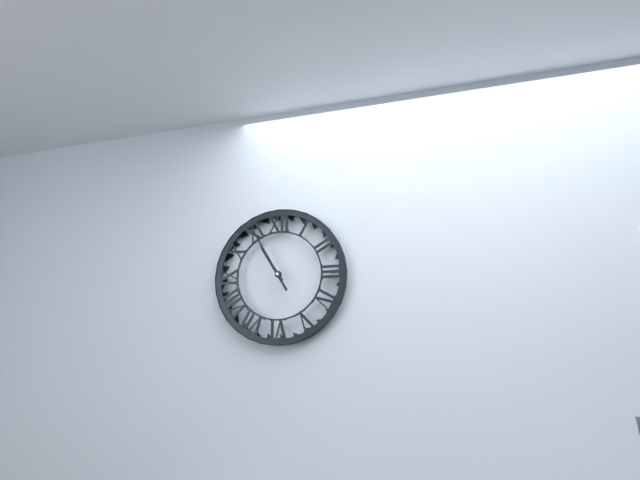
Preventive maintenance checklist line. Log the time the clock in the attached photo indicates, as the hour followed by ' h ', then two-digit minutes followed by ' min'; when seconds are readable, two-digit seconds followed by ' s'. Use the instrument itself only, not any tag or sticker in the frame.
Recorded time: 10 h 55 min
